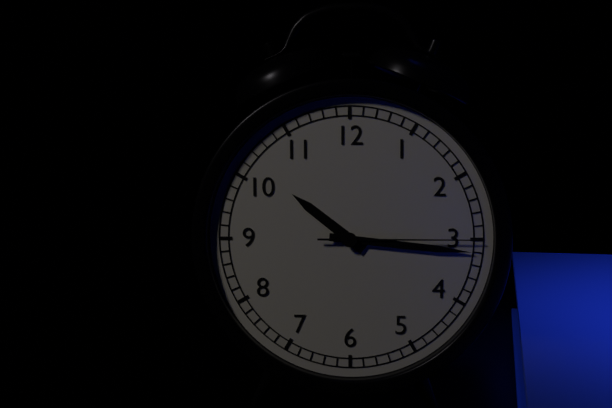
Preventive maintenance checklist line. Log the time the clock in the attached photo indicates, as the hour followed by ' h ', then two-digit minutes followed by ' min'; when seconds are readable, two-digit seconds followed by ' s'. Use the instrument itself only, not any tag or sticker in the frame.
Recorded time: 10 h 16 min 15 s
